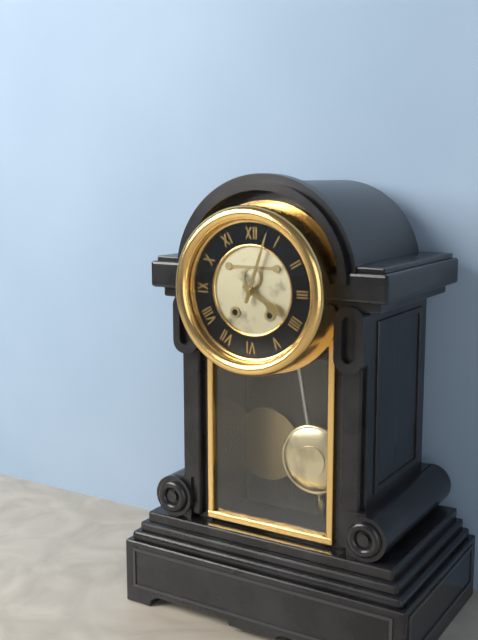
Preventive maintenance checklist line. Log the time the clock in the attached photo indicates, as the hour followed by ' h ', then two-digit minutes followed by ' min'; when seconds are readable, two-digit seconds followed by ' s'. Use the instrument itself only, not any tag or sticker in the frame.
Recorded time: 4 h 03 min
